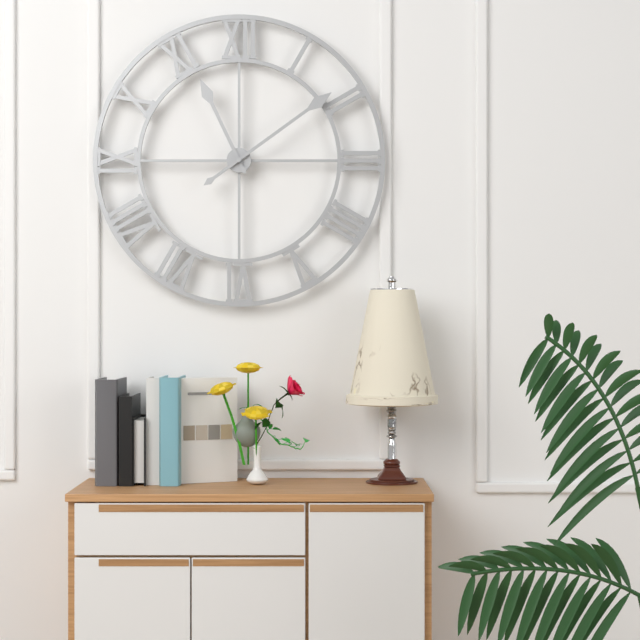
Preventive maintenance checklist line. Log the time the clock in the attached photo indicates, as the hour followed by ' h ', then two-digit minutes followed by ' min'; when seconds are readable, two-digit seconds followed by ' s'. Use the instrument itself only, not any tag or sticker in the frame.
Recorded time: 11 h 09 min
